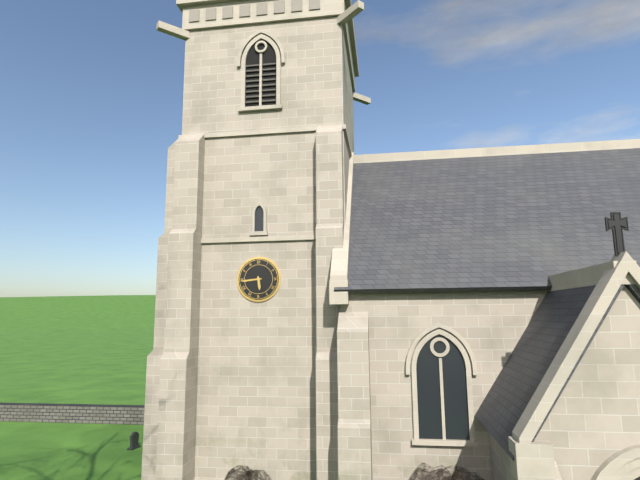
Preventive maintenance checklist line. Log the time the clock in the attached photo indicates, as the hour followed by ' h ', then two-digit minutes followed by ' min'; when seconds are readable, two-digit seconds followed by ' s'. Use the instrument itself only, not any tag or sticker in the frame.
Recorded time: 5 h 44 min
